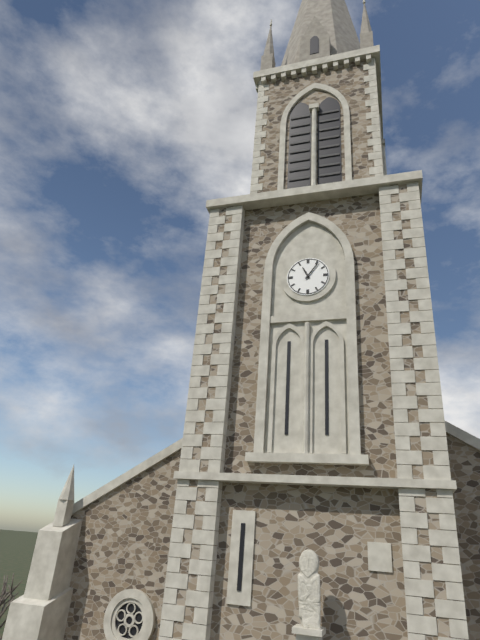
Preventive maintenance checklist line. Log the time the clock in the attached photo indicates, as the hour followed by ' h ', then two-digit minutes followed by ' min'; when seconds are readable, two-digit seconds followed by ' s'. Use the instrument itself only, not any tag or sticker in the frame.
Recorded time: 11 h 06 min
